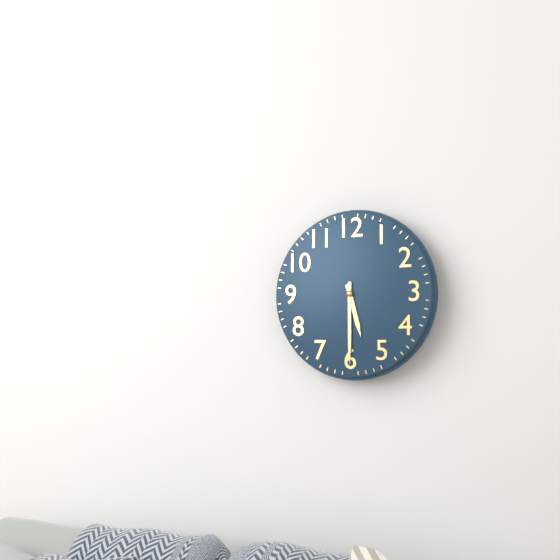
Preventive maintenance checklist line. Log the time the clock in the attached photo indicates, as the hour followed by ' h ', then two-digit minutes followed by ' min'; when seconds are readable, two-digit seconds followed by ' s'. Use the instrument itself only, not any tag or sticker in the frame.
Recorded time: 5 h 30 min
